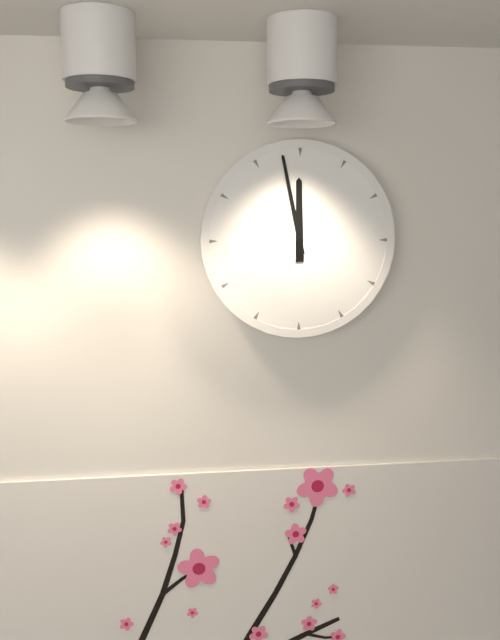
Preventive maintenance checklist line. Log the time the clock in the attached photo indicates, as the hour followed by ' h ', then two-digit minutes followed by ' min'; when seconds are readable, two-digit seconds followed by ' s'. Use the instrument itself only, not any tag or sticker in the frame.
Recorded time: 11 h 58 min
